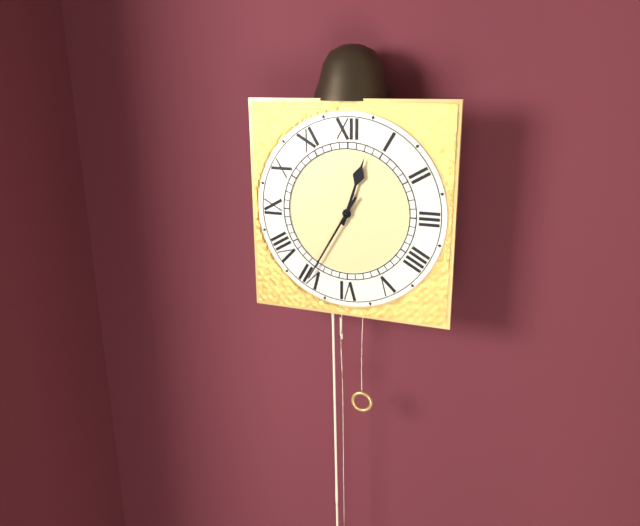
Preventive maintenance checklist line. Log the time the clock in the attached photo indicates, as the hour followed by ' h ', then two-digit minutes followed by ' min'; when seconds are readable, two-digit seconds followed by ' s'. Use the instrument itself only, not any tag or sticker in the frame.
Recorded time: 12 h 35 min
